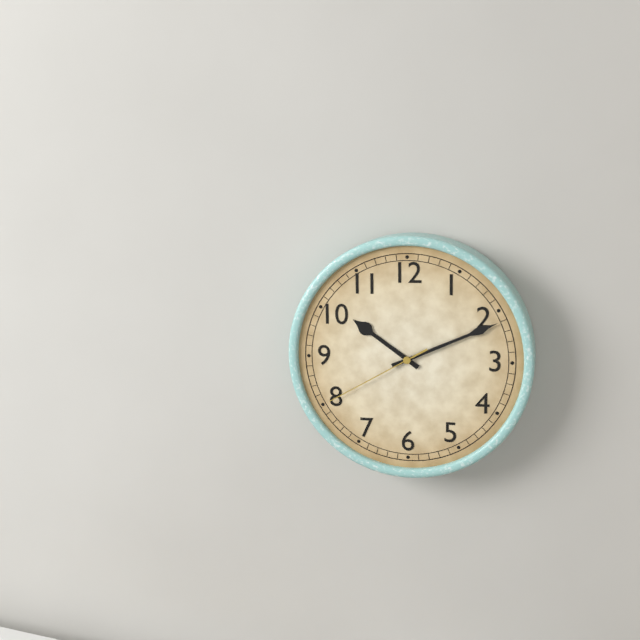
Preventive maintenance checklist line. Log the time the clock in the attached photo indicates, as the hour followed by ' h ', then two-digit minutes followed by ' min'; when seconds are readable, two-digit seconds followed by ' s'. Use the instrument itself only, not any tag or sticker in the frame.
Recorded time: 10 h 11 min 40 s
